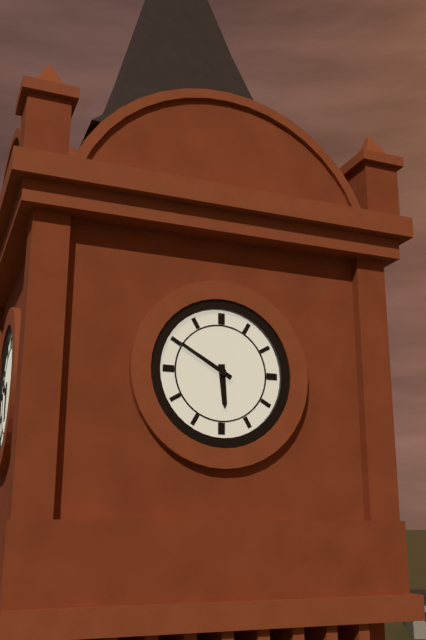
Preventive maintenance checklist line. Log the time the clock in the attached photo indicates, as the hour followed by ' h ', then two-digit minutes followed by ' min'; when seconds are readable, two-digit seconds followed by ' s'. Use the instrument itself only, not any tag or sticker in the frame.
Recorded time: 5 h 50 min
